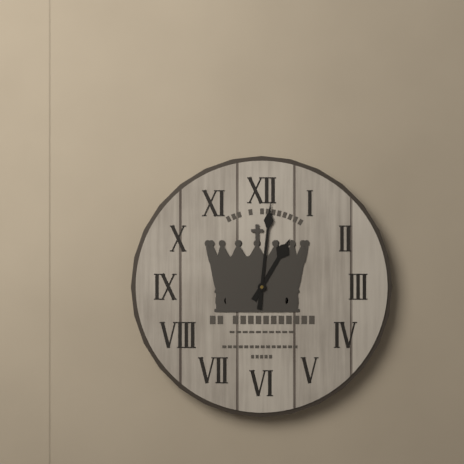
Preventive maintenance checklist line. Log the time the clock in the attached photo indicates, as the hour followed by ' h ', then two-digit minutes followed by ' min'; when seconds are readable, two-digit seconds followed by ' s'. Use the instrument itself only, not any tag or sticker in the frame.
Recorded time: 1 h 01 min
